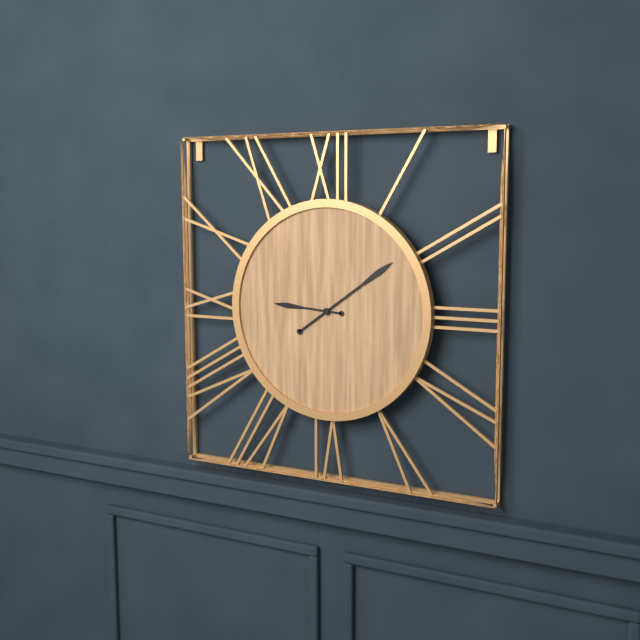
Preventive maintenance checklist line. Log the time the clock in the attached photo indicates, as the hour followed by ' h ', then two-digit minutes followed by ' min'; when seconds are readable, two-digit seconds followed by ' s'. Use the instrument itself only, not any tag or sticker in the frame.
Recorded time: 9 h 09 min
